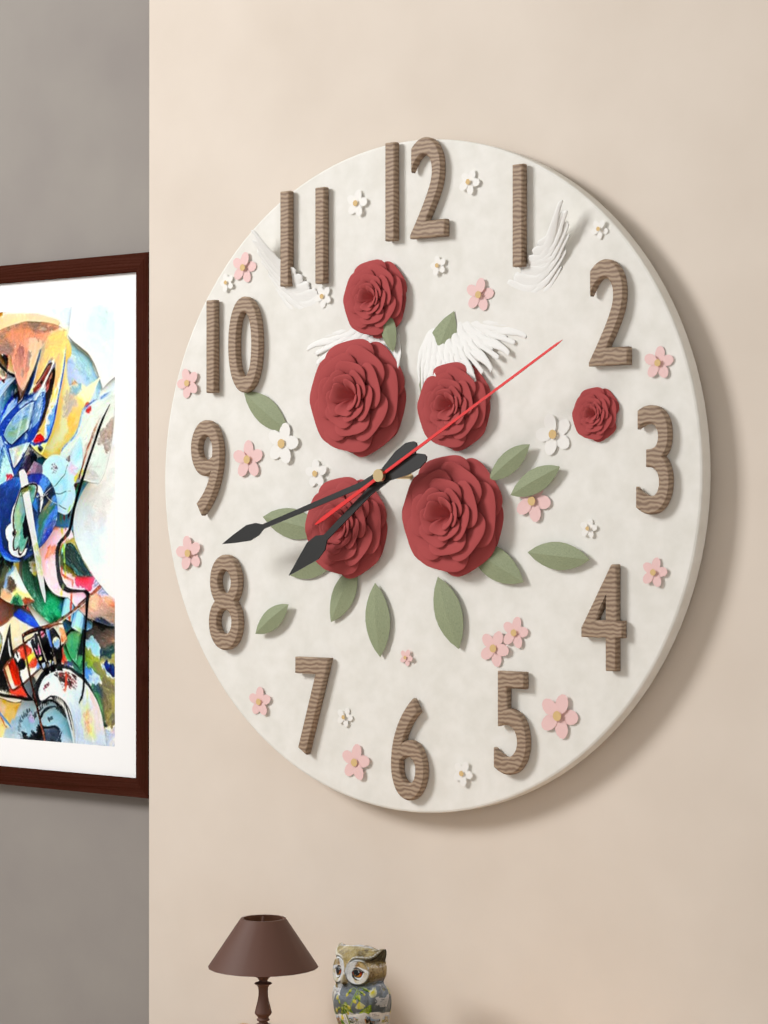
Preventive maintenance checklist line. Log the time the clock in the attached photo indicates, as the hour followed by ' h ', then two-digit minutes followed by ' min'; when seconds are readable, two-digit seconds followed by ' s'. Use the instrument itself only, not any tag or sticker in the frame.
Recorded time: 7 h 42 min 10 s
